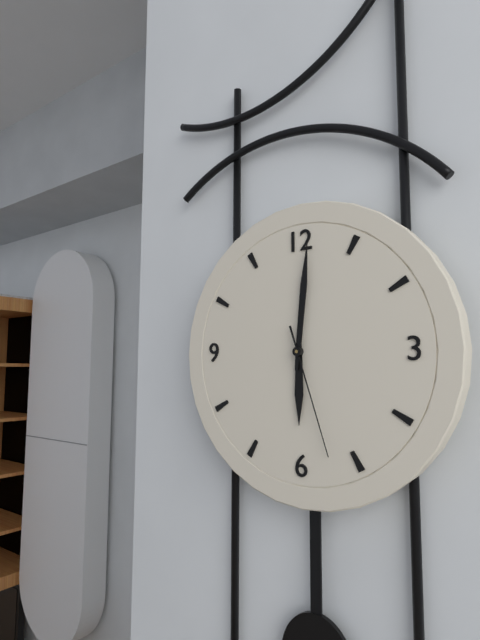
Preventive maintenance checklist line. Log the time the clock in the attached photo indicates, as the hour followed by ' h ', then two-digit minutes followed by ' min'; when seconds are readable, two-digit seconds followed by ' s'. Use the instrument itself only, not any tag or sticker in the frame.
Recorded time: 6 h 01 min 27 s
